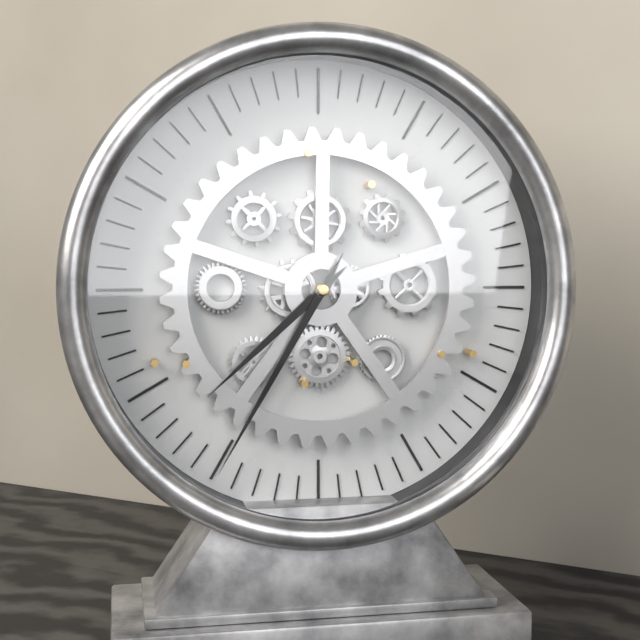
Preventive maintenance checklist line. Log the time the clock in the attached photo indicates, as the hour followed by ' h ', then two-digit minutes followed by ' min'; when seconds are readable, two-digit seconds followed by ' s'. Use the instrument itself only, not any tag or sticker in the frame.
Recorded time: 7 h 35 min
